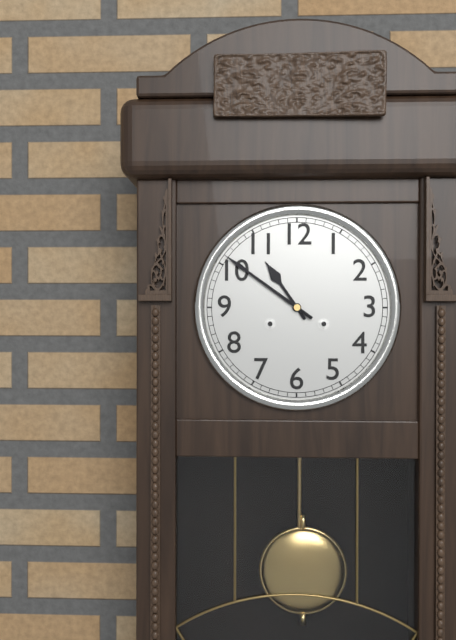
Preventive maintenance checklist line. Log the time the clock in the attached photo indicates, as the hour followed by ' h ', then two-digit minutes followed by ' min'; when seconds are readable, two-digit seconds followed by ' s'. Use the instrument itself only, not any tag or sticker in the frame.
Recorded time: 10 h 51 min
